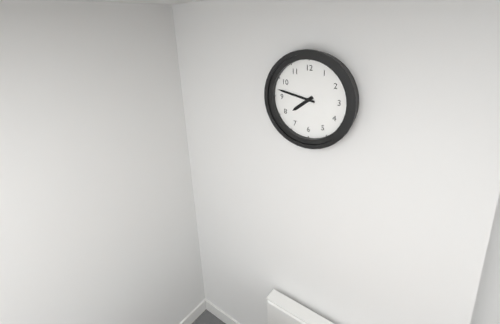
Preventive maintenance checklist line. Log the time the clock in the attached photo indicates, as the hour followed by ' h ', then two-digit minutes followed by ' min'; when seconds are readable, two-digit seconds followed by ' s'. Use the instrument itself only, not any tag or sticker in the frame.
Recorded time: 7 h 47 min
